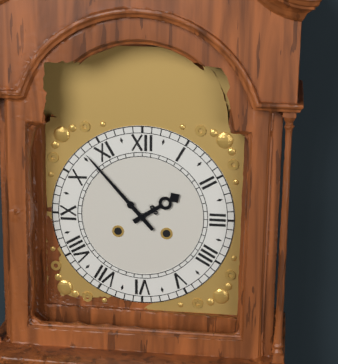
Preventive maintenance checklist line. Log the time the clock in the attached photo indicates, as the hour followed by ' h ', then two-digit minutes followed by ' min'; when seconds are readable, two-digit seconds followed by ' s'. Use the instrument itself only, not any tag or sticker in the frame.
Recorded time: 1 h 53 min
